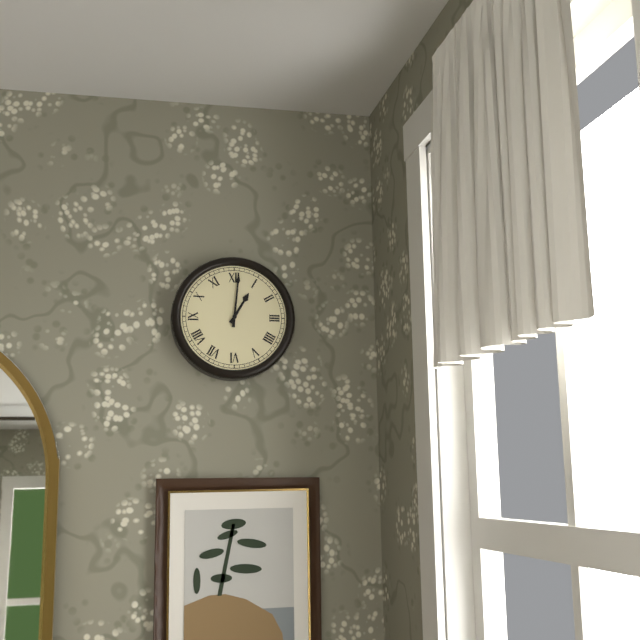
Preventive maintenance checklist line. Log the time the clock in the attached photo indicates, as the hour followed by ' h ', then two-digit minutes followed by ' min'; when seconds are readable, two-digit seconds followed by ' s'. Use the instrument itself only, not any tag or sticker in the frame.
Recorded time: 1 h 01 min
